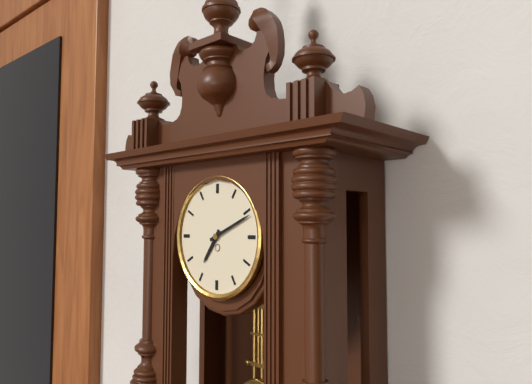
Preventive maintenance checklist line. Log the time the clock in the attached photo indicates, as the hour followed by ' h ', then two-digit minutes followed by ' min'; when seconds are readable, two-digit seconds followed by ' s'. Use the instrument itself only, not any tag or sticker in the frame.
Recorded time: 7 h 11 min
